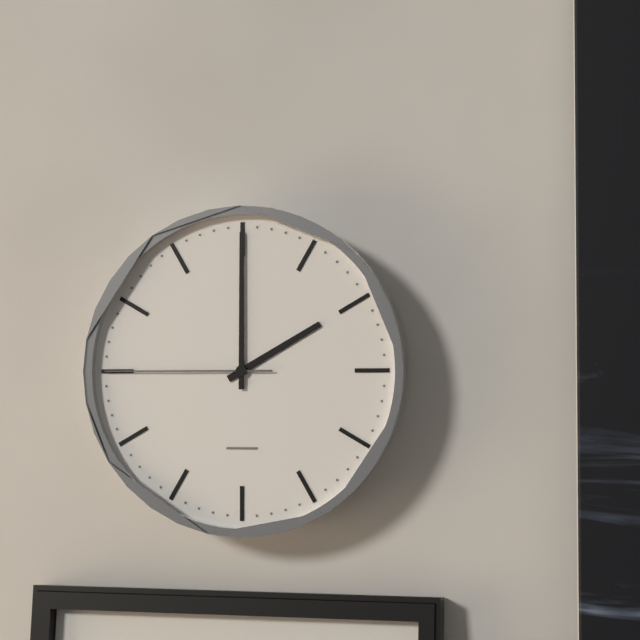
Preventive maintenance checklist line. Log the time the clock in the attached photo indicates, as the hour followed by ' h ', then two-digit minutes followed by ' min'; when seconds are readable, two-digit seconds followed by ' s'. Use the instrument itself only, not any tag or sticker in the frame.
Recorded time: 2 h 00 min 45 s
